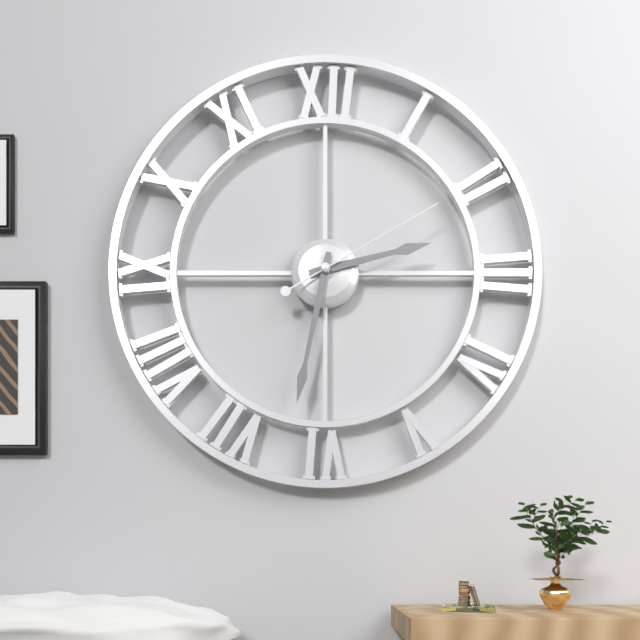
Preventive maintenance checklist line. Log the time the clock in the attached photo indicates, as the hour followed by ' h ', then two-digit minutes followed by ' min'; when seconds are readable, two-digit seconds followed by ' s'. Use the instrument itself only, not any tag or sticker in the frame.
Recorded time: 2 h 32 min 10 s
